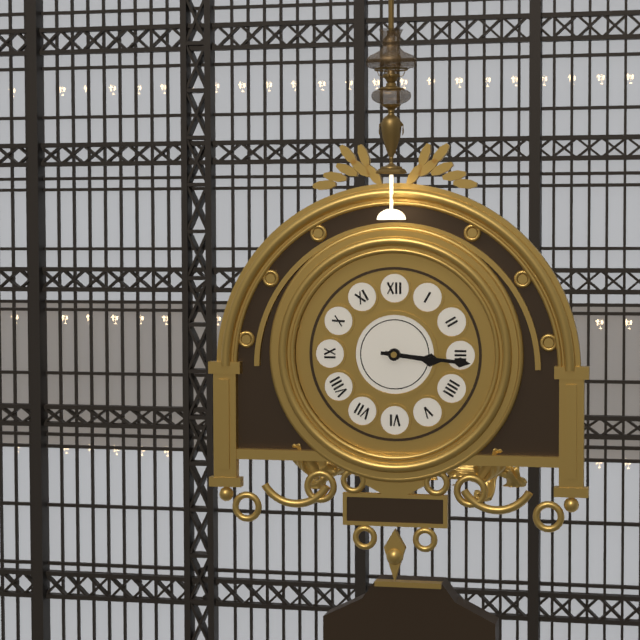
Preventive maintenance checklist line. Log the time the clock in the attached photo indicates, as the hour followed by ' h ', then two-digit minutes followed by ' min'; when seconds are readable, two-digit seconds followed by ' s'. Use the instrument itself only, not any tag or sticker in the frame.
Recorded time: 3 h 16 min
